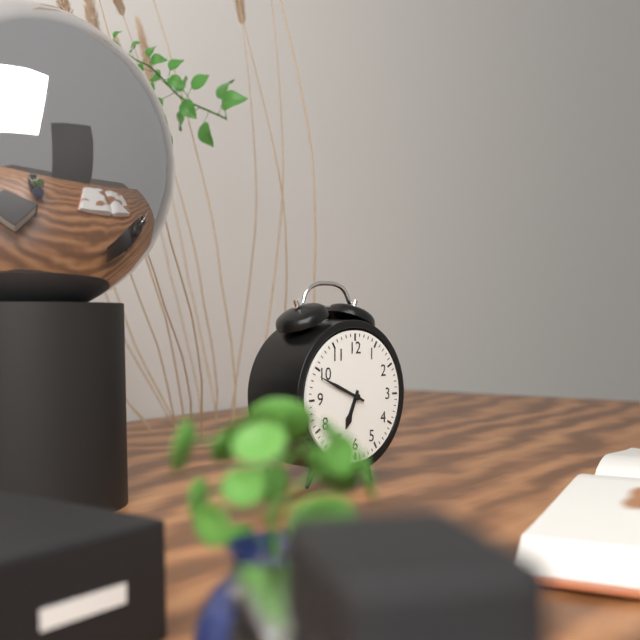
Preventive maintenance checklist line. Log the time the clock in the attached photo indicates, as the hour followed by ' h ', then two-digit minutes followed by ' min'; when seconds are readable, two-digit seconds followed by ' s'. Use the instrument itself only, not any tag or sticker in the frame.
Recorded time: 6 h 49 min
